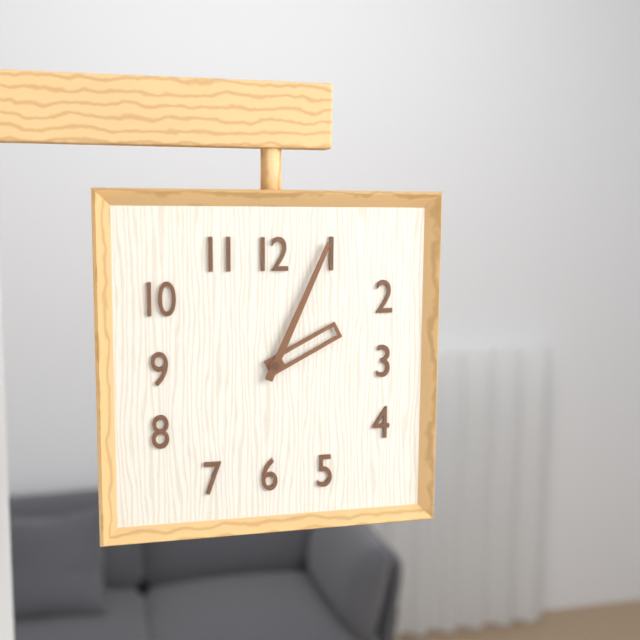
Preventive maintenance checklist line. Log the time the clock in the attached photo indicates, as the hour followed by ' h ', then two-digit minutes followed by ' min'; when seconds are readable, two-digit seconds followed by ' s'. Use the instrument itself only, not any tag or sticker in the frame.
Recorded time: 2 h 04 min
